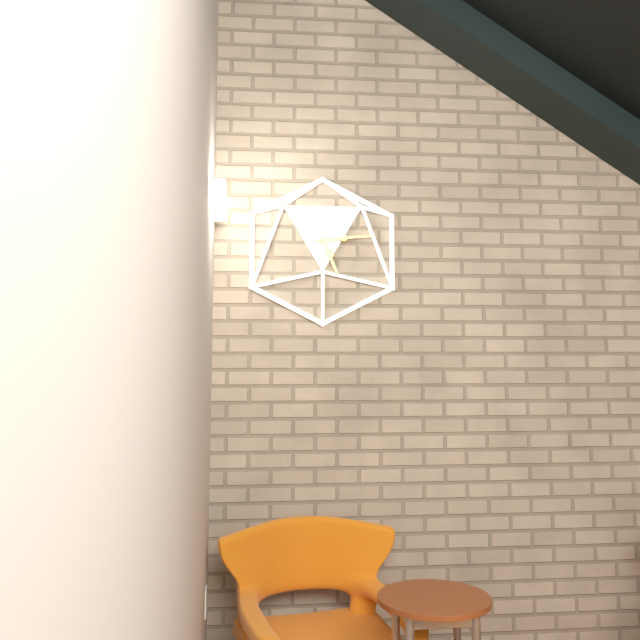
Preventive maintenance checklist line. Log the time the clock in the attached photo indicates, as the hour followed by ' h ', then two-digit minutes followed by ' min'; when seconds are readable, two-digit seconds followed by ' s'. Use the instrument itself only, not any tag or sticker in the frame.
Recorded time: 5 h 14 min
